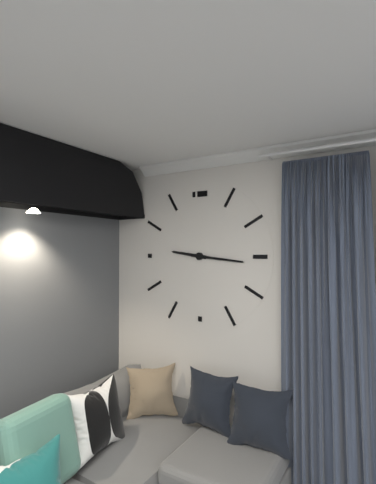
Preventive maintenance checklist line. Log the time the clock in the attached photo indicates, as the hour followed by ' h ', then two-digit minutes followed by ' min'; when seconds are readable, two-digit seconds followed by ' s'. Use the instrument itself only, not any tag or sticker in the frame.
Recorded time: 9 h 16 min
